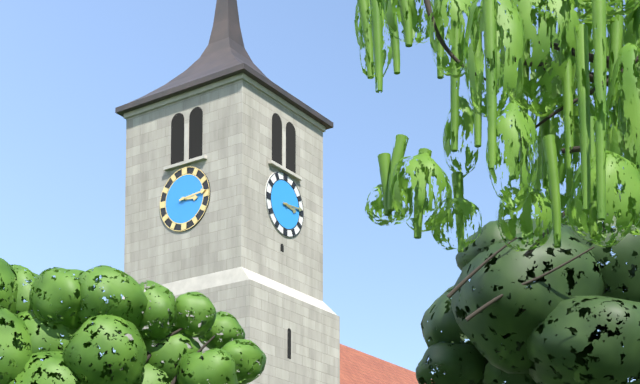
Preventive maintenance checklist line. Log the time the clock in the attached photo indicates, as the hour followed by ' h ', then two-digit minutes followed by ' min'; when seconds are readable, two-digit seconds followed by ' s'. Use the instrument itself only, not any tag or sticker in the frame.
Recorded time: 3 h 14 min
